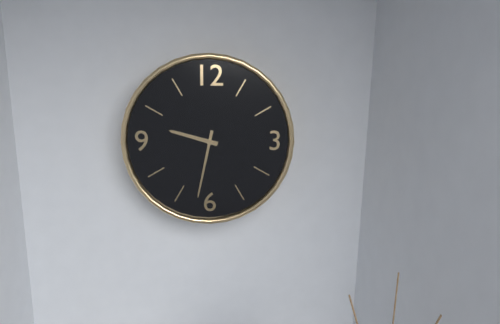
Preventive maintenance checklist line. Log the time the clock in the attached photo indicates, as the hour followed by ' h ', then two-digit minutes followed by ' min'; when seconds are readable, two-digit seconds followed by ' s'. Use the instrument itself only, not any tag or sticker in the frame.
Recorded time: 9 h 32 min
